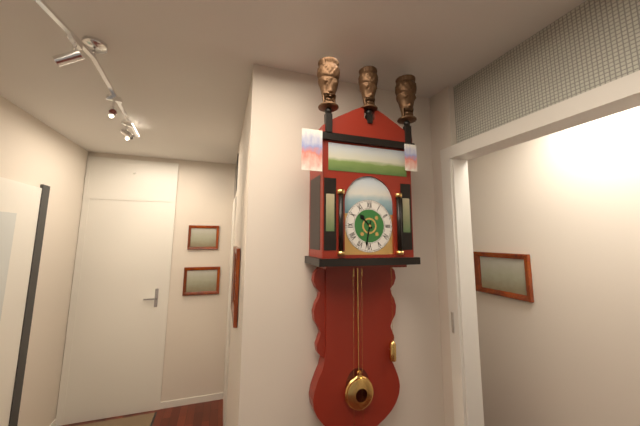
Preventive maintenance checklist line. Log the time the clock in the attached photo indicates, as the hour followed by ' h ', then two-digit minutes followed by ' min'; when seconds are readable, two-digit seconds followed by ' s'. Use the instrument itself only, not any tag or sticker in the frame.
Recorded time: 10 h 32 min
